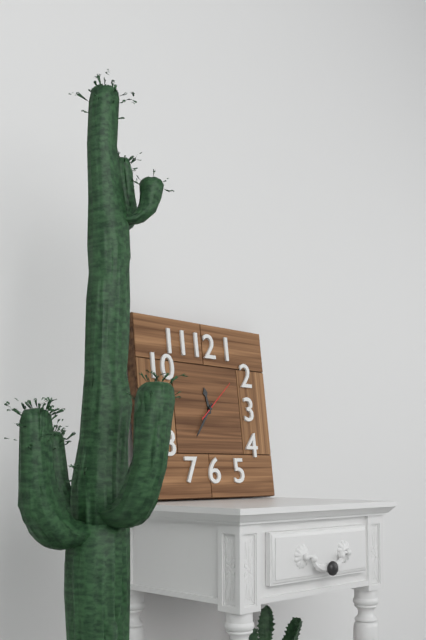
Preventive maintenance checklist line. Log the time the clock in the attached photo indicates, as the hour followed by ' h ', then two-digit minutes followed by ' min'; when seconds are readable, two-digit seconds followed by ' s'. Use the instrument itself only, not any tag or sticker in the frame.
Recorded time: 11 h 36 min
